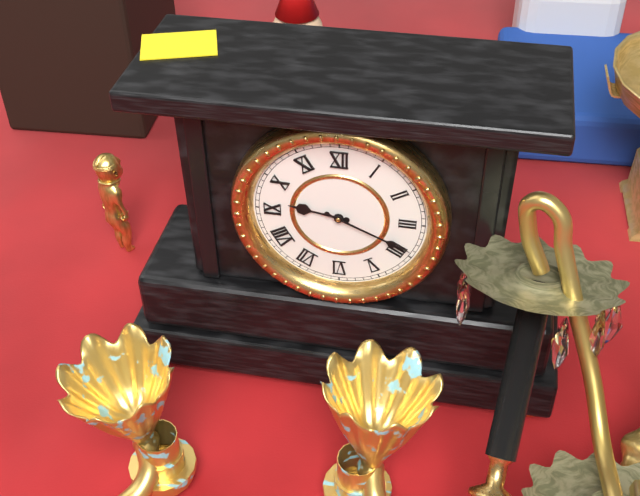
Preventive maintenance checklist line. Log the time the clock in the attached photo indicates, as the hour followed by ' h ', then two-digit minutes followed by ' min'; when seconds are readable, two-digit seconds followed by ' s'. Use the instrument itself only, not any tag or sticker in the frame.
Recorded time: 9 h 19 min
